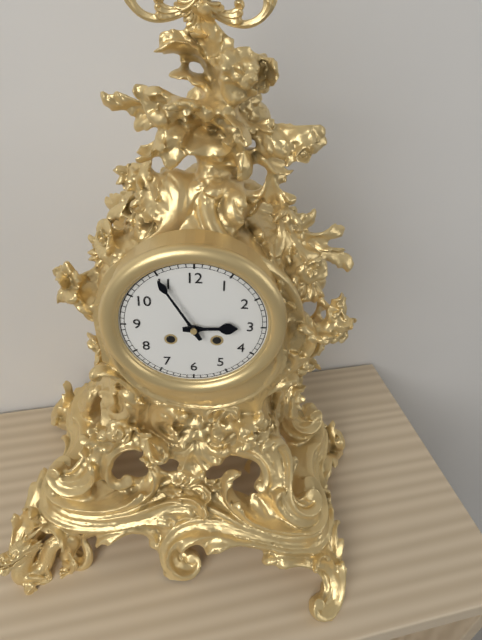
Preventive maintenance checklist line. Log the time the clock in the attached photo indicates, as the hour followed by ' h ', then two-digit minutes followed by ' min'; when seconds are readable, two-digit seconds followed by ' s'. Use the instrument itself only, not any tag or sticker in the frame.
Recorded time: 2 h 55 min
